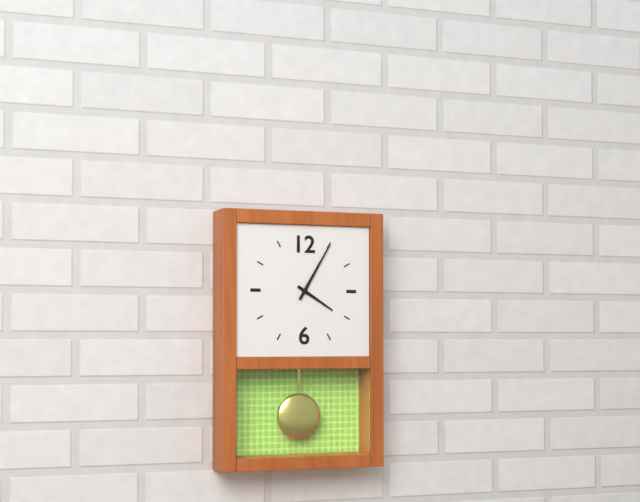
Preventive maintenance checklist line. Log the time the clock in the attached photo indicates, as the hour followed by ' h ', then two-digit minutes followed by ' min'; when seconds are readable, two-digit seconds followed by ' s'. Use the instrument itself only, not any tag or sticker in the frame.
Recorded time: 4 h 05 min
